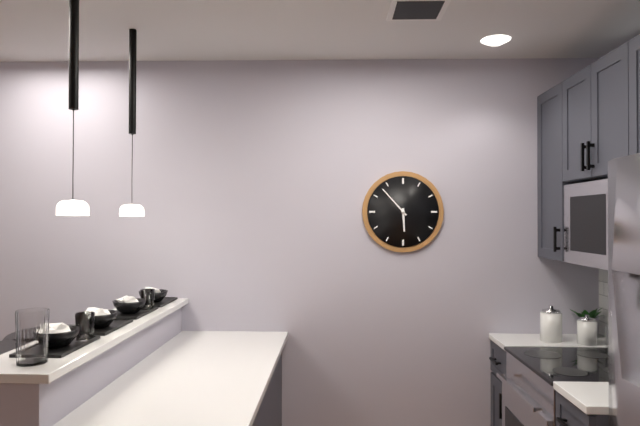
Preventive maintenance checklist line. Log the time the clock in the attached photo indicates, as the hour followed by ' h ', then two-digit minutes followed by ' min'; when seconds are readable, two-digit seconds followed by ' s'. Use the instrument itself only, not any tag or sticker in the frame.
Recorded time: 5 h 53 min
